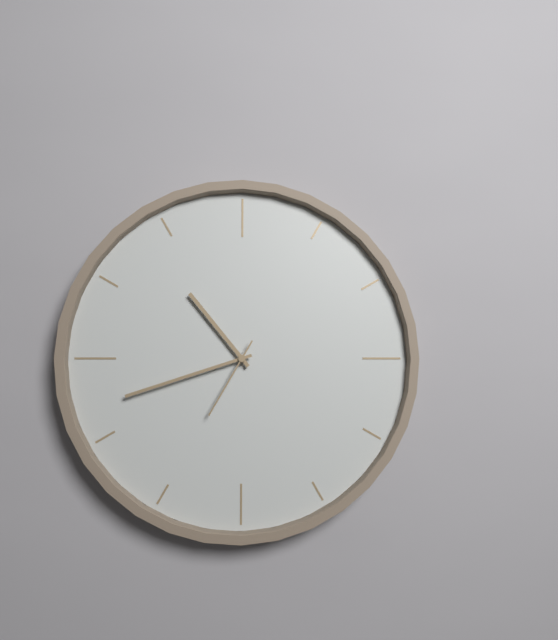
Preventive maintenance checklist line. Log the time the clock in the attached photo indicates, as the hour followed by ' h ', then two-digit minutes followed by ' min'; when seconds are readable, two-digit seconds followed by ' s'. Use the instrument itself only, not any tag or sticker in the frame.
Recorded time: 10 h 42 min 35 s
